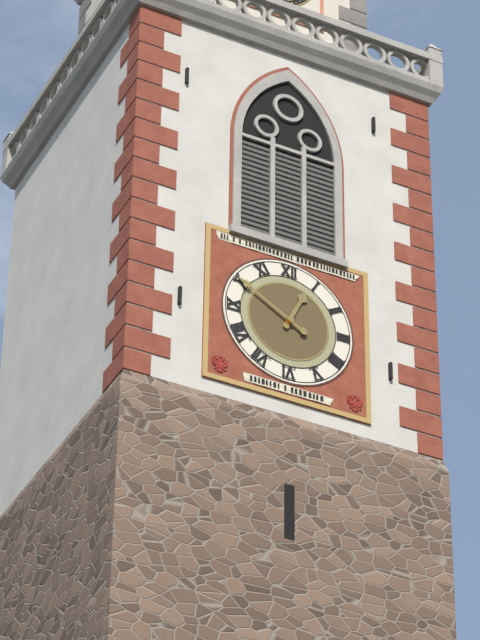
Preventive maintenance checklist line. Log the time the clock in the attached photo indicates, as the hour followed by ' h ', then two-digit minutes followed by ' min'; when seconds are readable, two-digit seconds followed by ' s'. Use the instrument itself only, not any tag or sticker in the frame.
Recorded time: 12 h 50 min
